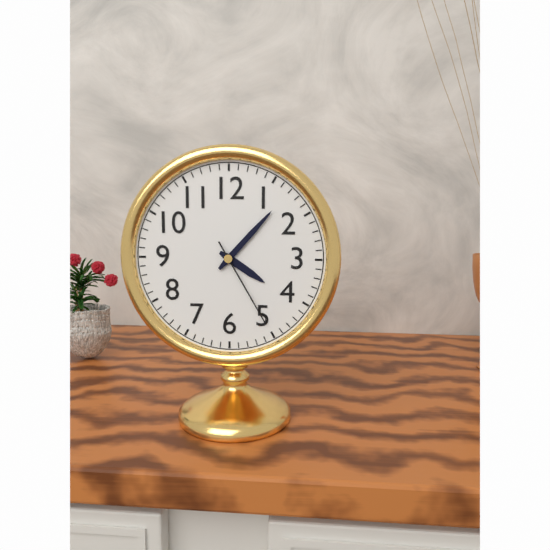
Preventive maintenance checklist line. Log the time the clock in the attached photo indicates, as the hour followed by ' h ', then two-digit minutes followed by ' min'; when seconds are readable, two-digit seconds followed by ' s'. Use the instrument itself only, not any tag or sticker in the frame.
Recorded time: 4 h 07 min 25 s
